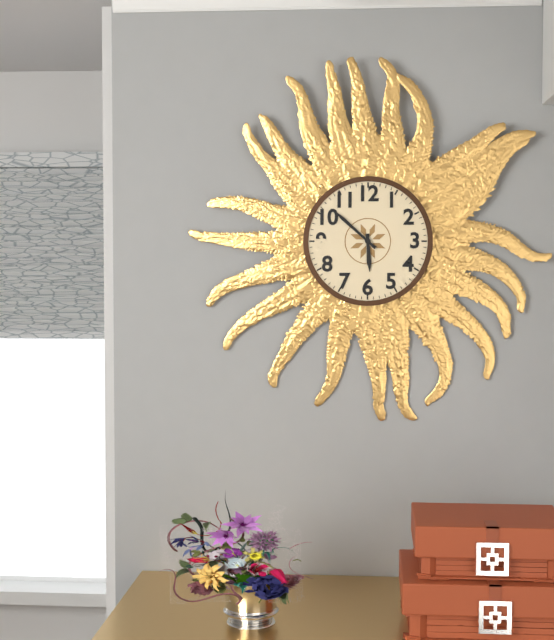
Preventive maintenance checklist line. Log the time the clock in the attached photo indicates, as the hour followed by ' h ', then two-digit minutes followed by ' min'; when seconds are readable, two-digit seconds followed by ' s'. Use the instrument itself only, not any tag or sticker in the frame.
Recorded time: 5 h 52 min
